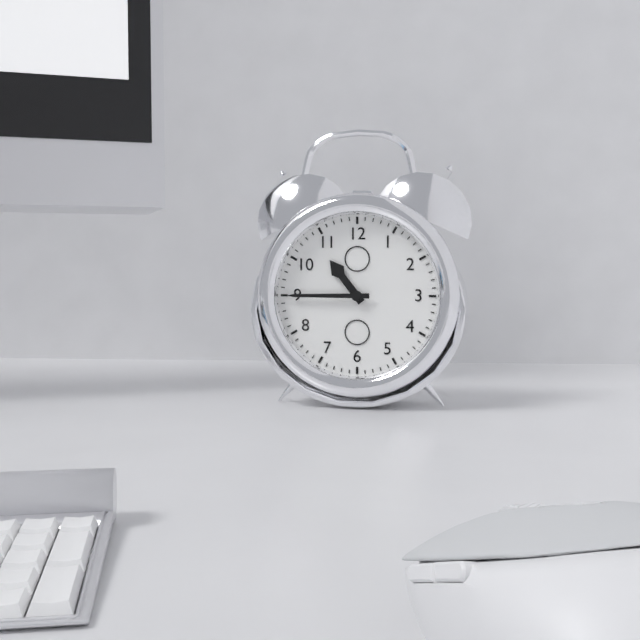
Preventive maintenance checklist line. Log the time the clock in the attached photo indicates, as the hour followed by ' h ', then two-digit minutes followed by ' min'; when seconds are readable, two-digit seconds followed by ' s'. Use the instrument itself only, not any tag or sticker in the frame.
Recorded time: 10 h 45 min
